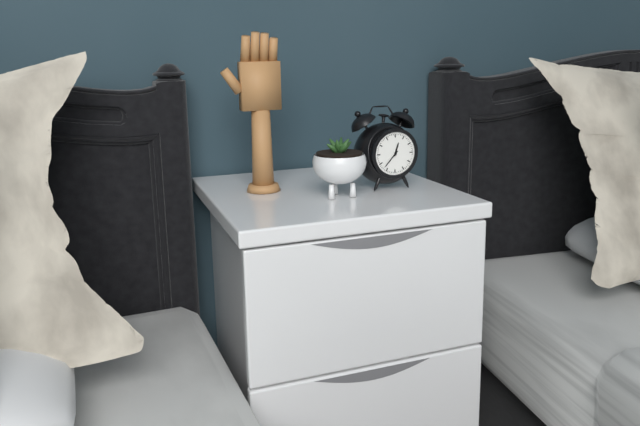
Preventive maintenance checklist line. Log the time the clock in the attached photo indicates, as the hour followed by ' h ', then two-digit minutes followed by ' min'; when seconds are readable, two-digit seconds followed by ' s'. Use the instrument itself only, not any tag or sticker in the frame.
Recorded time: 12 h 37 min
